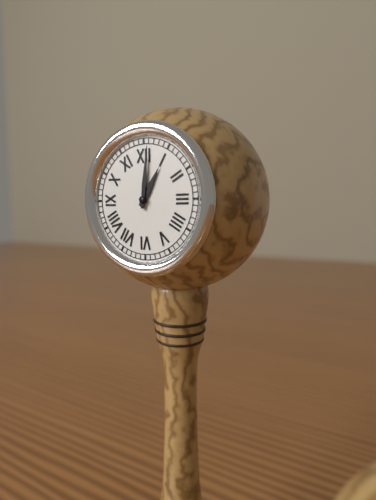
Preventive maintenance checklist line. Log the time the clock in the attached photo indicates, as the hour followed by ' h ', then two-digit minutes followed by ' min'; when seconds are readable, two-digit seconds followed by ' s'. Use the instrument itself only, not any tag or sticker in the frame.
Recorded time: 1 h 01 min
